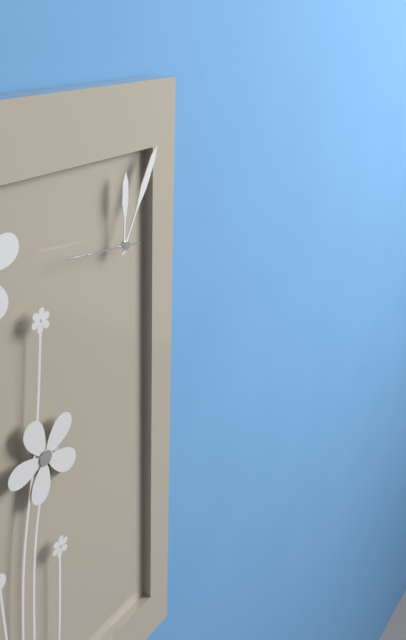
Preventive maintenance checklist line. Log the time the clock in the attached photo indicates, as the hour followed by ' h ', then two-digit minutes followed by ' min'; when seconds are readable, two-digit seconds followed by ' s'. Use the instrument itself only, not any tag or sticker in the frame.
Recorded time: 12 h 05 min 46 s
